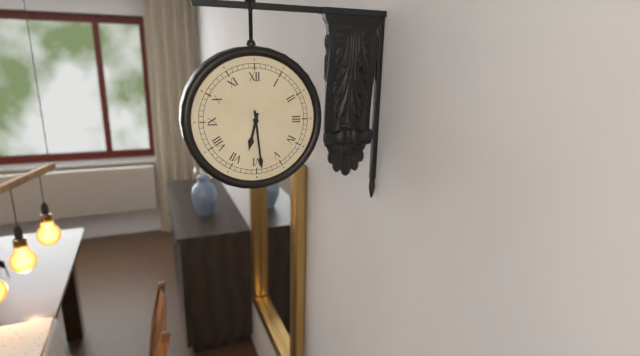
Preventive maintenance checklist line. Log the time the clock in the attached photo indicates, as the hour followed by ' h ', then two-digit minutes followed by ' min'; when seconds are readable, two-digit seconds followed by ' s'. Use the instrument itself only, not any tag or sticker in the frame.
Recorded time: 6 h 29 min
